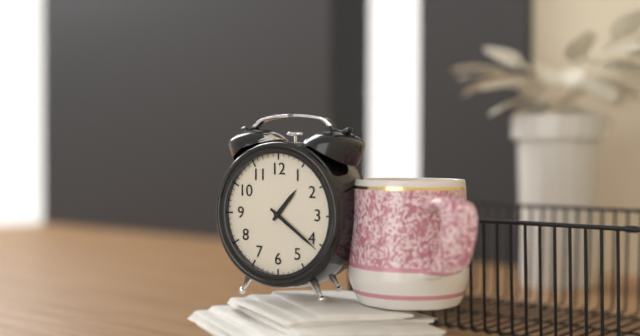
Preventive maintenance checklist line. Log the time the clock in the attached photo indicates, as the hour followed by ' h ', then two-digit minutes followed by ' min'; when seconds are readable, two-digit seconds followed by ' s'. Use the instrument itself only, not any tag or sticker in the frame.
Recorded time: 1 h 21 min
